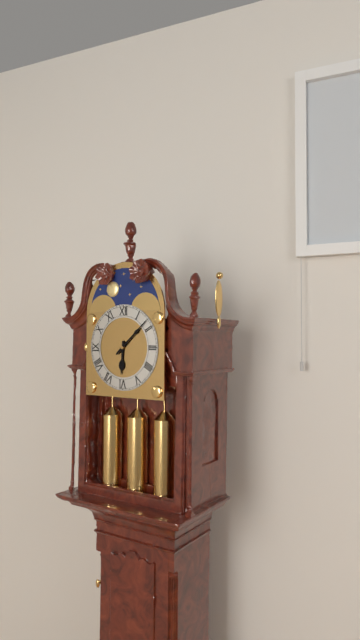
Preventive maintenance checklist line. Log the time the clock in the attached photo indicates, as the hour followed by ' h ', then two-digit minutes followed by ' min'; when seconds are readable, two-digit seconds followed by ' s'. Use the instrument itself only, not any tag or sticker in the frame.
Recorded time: 6 h 08 min
